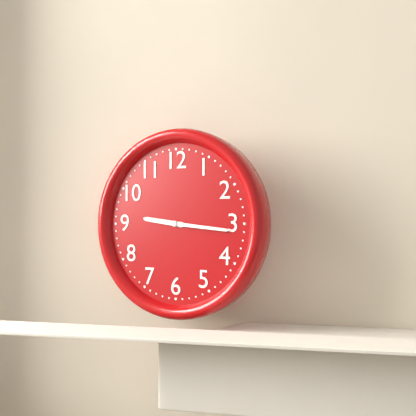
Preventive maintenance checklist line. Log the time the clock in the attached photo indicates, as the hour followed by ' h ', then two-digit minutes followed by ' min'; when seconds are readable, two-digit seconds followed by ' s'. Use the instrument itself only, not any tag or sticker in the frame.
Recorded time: 9 h 16 min
